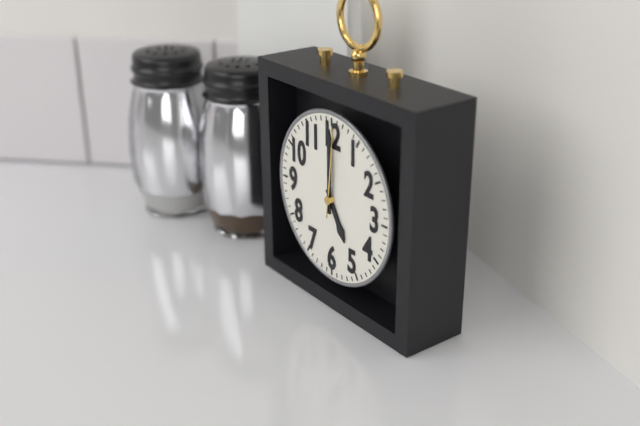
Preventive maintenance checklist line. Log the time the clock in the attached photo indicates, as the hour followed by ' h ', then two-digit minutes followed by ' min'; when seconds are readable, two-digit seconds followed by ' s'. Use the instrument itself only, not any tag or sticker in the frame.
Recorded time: 5 h 00 min 01 s
